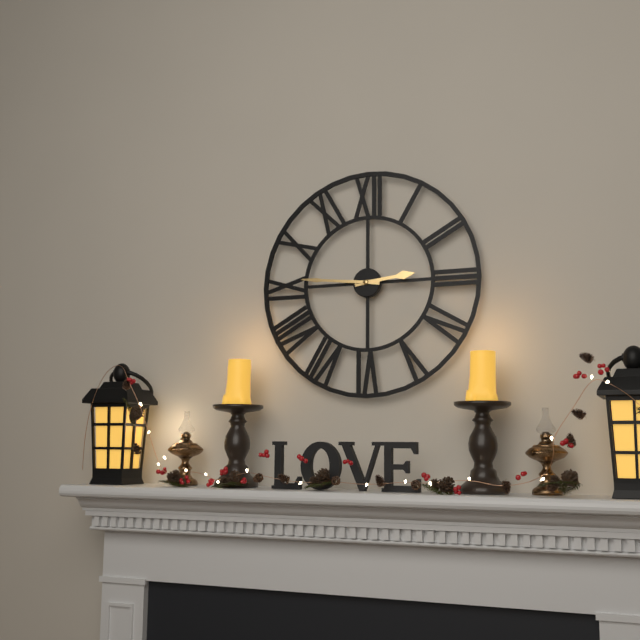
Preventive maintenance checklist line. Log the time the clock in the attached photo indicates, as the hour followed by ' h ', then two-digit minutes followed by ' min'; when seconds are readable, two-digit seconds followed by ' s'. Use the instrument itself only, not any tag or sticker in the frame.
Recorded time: 2 h 46 min
